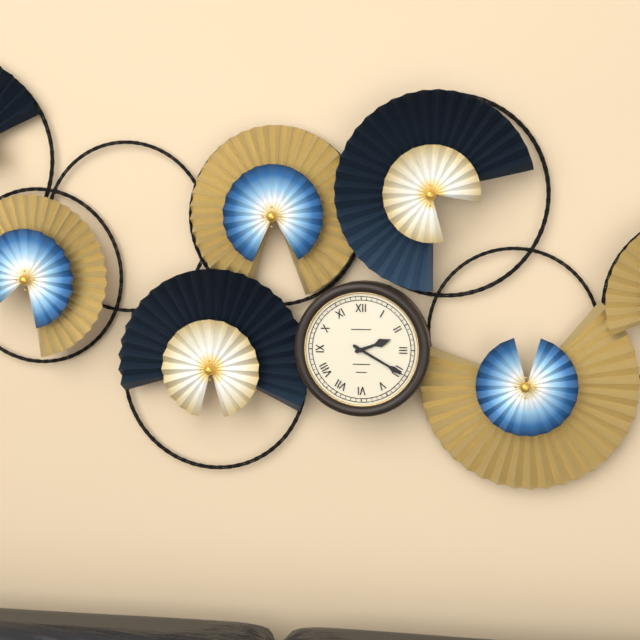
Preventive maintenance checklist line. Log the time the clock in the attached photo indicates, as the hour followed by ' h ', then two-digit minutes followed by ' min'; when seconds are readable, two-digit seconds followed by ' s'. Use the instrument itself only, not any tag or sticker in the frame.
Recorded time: 2 h 20 min
